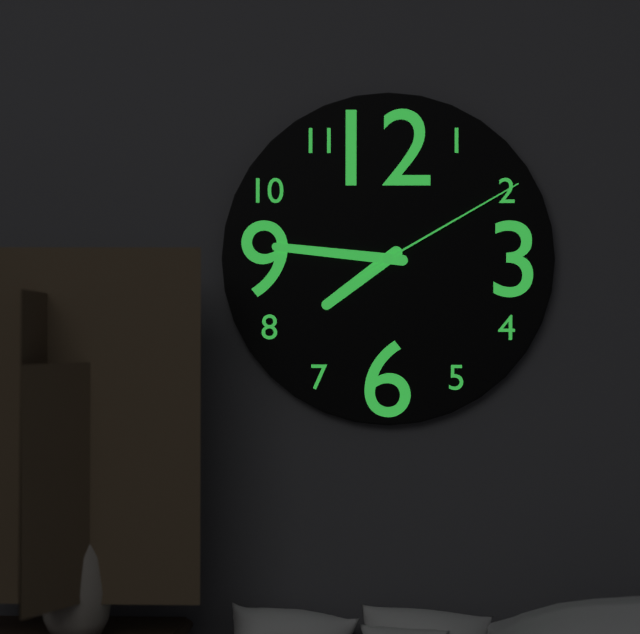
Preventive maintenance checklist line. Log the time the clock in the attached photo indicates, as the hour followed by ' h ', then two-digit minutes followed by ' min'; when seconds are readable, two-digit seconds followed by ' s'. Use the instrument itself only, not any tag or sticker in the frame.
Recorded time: 7 h 46 min 10 s
